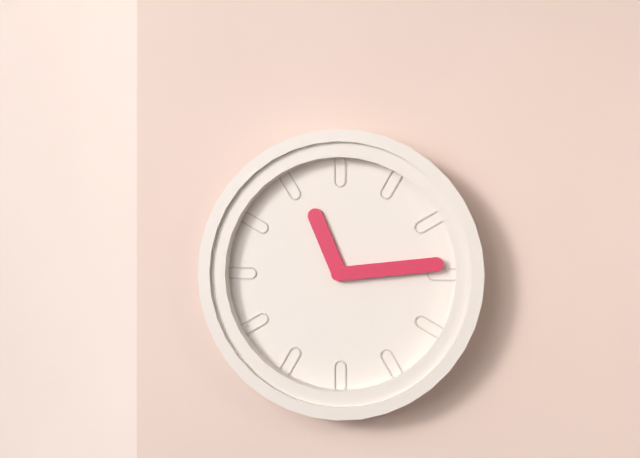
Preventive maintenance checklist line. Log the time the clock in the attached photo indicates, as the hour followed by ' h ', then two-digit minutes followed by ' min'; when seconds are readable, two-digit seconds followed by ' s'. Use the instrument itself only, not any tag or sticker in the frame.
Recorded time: 11 h 14 min
